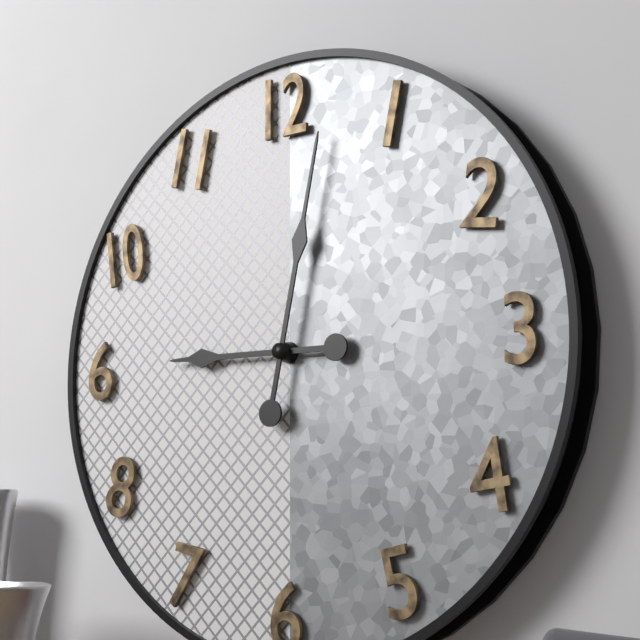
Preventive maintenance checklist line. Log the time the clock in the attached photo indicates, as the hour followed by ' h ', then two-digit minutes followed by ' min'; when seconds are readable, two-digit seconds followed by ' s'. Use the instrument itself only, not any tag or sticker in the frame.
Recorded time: 9 h 02 min
